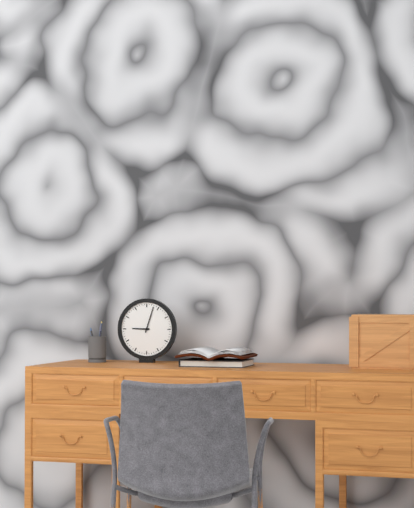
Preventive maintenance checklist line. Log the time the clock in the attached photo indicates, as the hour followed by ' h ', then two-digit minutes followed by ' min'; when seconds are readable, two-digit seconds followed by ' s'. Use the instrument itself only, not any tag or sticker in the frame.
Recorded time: 9 h 03 min
